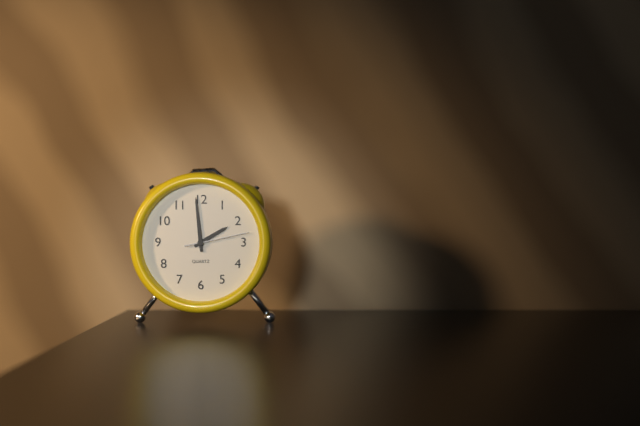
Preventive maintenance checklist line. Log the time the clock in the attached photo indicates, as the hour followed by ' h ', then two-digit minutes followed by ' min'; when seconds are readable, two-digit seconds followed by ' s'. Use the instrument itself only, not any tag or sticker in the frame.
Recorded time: 1 h 59 min 13 s
